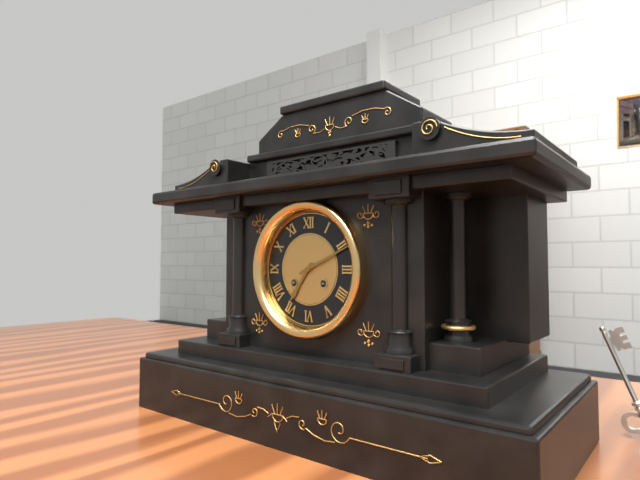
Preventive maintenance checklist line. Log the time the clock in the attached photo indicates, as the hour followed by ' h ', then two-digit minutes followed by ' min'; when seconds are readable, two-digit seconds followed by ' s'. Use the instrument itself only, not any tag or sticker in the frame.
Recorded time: 7 h 11 min
